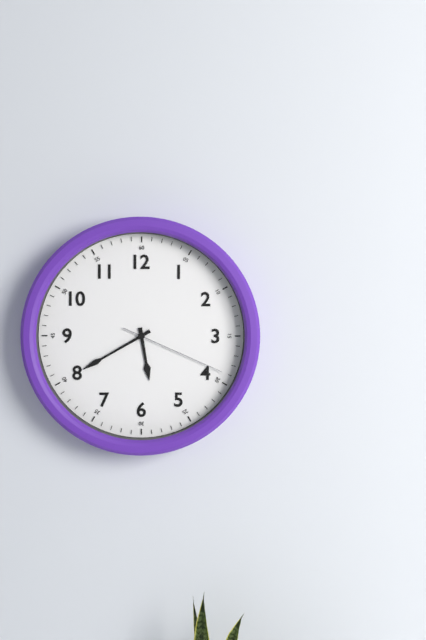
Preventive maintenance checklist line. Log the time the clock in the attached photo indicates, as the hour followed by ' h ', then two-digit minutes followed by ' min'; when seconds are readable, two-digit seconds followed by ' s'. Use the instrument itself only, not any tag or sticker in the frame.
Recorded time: 5 h 40 min 19 s
